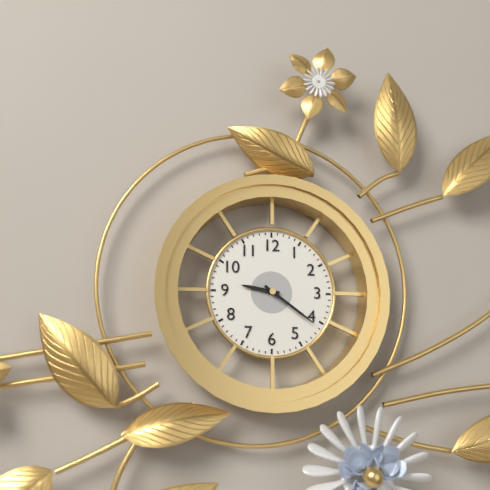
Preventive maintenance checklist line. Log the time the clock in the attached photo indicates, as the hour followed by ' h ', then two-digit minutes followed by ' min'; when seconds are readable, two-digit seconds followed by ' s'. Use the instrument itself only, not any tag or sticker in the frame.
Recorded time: 9 h 21 min
